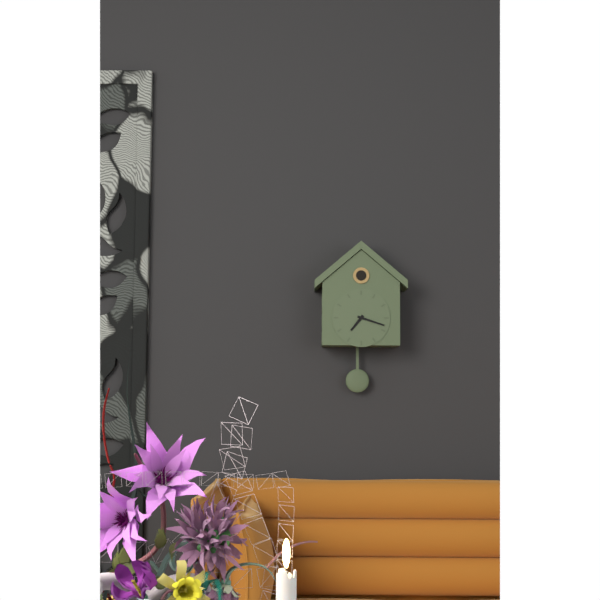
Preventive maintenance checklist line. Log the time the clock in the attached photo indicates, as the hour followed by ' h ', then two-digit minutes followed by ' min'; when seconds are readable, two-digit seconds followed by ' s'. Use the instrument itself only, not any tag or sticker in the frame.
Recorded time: 7 h 18 min
